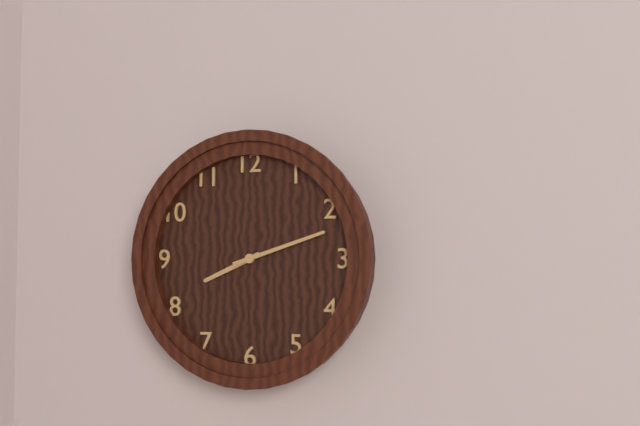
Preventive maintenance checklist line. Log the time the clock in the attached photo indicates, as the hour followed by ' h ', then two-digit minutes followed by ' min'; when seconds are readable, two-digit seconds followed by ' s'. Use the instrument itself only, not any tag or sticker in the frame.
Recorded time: 8 h 12 min
